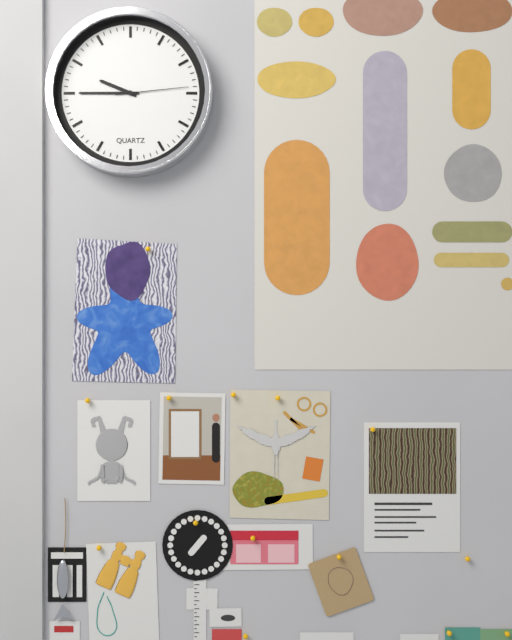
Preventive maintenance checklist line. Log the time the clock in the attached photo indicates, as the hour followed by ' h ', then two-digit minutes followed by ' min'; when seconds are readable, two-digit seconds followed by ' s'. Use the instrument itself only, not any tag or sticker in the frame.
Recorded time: 9 h 45 min 14 s
